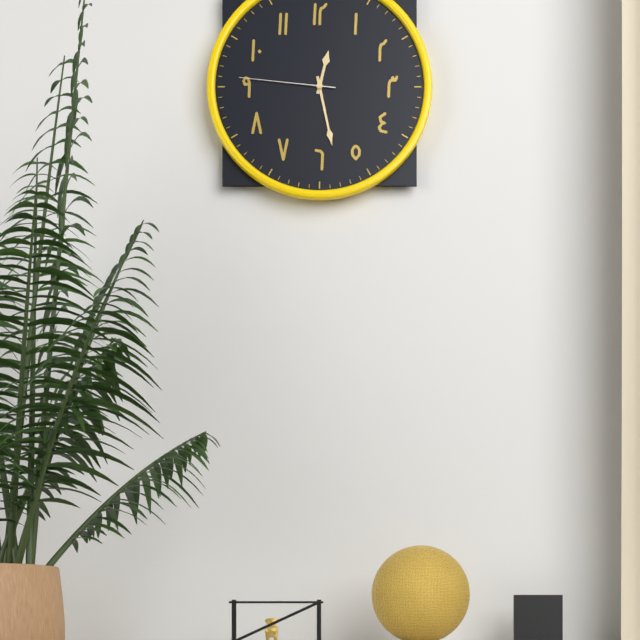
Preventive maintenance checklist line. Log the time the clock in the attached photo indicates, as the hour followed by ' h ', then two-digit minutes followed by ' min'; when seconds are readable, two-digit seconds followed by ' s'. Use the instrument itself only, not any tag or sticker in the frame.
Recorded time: 12 h 28 min 46 s
